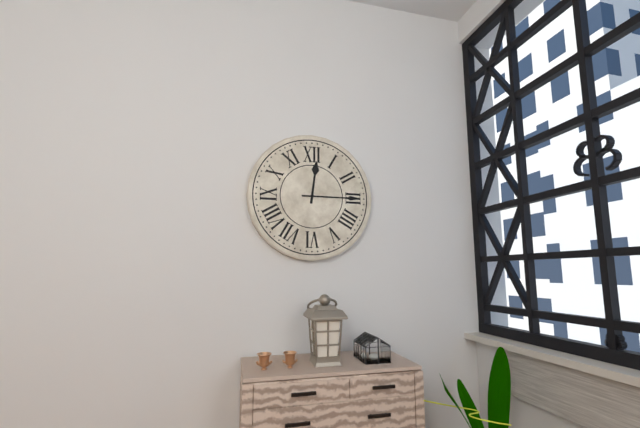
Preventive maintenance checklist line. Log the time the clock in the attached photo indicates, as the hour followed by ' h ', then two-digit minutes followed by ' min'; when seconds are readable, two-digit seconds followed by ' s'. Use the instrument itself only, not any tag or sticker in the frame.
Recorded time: 12 h 15 min
